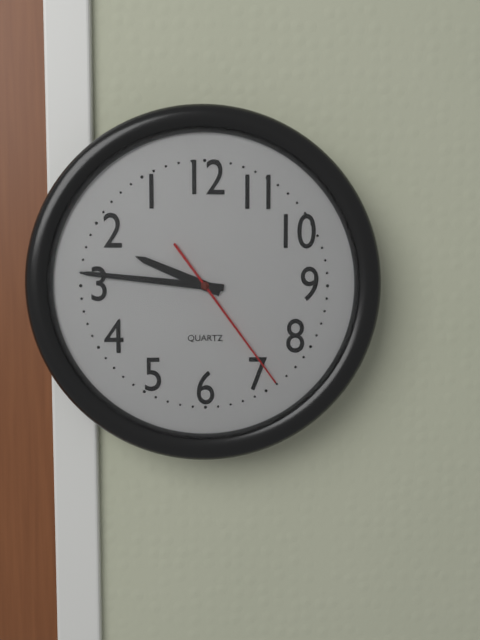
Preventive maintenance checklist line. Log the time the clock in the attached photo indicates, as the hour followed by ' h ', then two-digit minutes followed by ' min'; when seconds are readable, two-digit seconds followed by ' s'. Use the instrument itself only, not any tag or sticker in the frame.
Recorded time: 9 h 46 min 24 s
